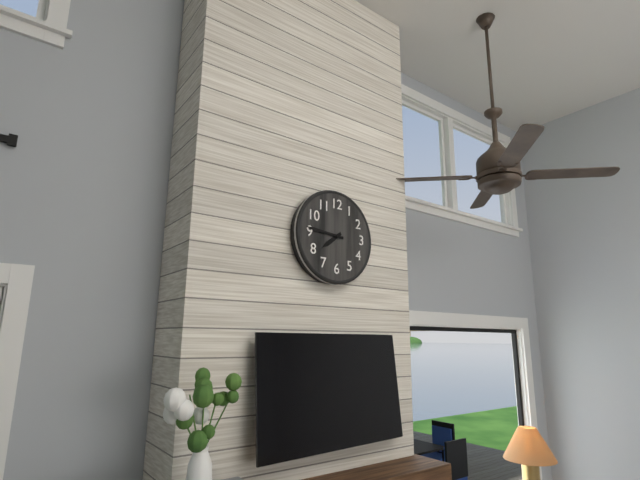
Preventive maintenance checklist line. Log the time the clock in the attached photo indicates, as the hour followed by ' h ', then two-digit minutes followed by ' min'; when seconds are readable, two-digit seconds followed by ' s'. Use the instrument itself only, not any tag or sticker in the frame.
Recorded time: 7 h 46 min
